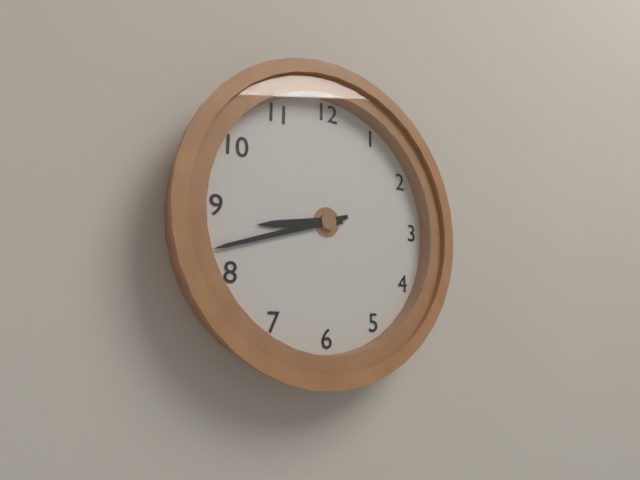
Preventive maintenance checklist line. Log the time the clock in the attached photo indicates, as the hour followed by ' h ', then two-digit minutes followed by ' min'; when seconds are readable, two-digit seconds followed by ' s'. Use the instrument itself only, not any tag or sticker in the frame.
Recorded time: 8 h 42 min
